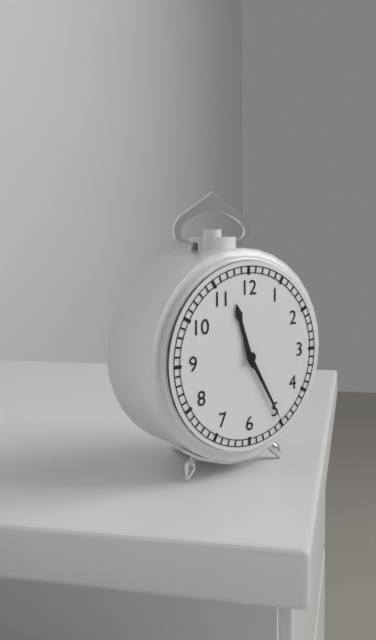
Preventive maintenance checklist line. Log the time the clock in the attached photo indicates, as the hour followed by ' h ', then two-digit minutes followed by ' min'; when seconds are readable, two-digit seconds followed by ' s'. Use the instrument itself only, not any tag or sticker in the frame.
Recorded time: 11 h 25 min
